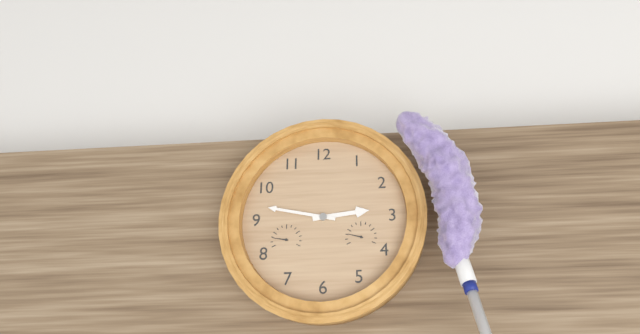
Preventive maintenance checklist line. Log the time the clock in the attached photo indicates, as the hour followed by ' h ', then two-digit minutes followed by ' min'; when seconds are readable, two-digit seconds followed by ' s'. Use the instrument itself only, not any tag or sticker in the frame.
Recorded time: 2 h 47 min
